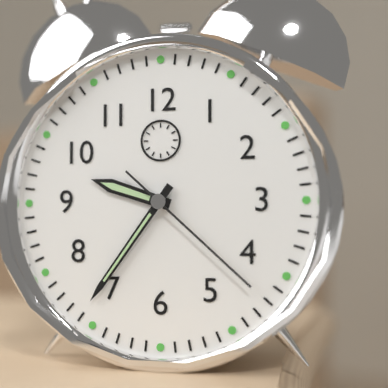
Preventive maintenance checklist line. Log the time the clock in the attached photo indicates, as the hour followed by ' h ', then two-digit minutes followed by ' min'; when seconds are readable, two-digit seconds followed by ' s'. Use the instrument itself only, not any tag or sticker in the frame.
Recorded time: 9 h 36 min 22 s
